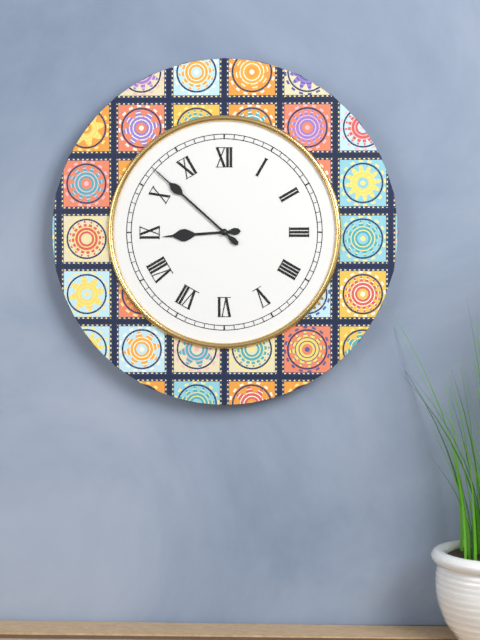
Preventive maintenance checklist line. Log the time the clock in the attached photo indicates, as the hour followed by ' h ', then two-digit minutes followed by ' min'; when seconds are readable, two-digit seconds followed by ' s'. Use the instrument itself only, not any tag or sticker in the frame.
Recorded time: 8 h 52 min
